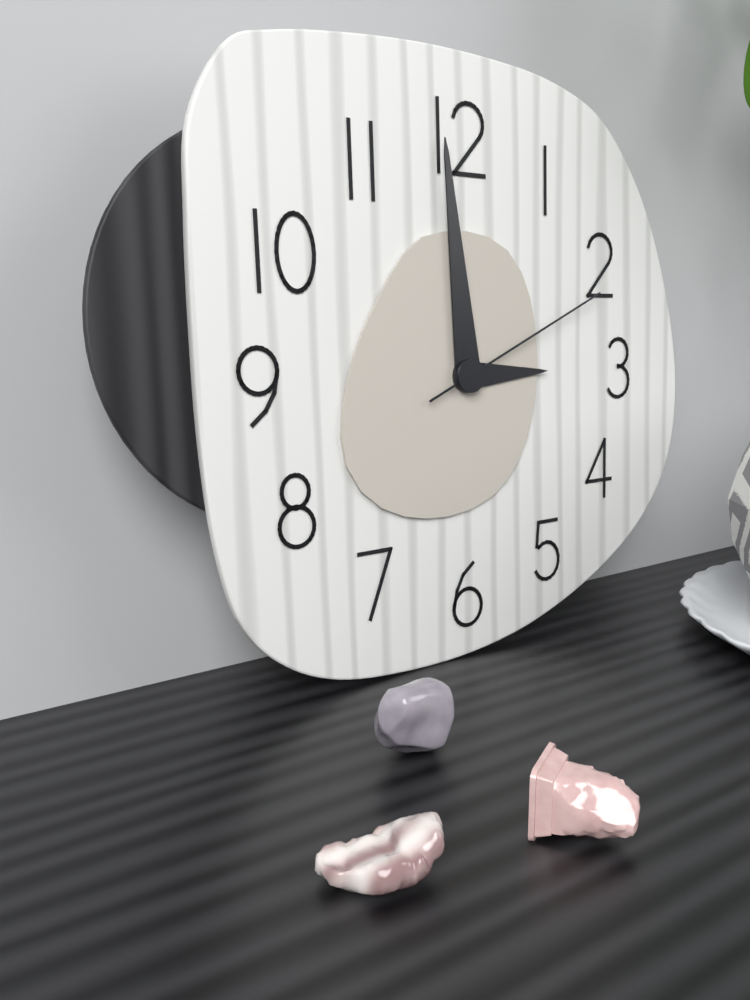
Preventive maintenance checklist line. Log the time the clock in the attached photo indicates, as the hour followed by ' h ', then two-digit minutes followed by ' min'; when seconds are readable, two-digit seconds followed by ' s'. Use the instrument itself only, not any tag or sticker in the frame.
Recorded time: 2 h 59 min 11 s
